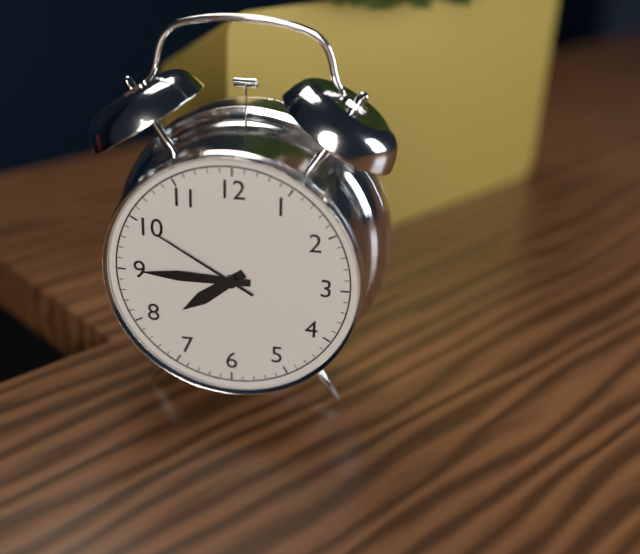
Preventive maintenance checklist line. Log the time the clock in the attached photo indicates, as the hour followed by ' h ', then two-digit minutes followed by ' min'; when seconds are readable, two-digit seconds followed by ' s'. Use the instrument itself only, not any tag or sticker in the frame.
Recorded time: 7 h 45 min 50 s
